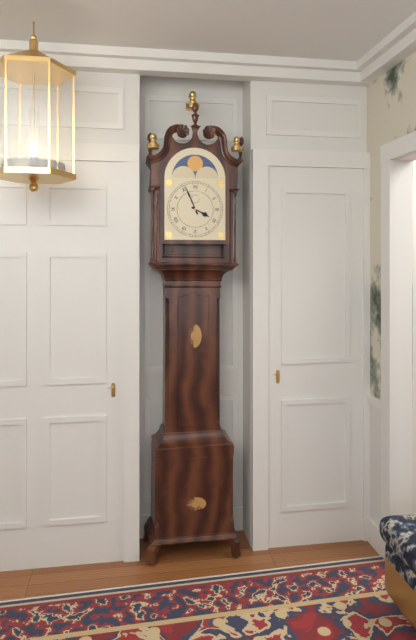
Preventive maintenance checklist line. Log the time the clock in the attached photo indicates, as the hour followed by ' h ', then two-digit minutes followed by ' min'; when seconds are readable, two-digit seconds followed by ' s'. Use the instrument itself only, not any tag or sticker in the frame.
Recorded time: 3 h 56 min
